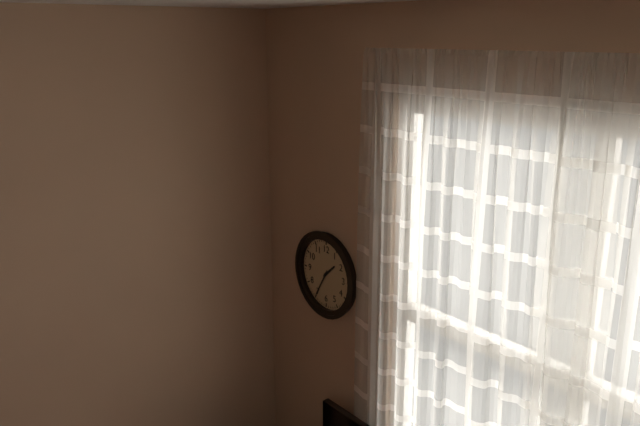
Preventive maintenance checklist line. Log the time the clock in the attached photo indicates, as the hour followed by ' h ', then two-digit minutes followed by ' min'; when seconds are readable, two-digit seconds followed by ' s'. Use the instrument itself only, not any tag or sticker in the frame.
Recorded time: 1 h 35 min
